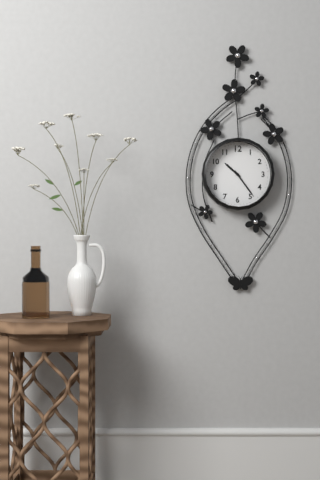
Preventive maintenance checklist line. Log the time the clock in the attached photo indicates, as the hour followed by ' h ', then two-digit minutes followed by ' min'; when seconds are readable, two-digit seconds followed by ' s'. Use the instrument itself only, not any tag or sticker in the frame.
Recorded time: 10 h 24 min
